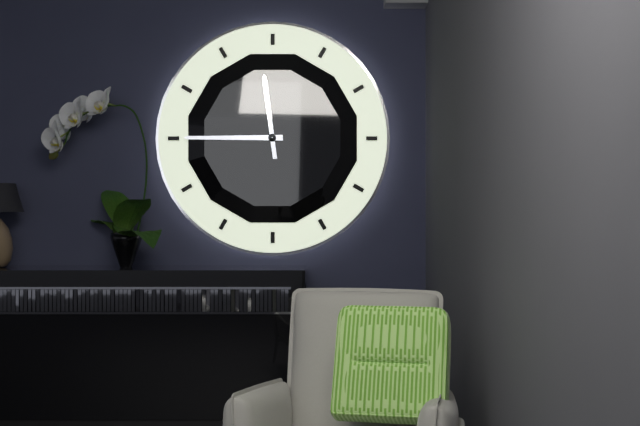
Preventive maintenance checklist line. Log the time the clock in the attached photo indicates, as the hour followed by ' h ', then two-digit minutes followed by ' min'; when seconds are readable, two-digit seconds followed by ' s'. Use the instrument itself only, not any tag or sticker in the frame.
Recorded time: 11 h 45 min
